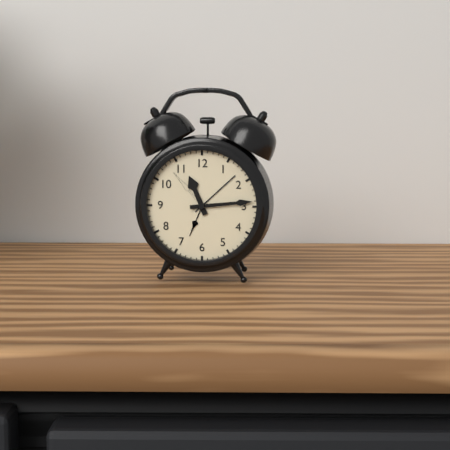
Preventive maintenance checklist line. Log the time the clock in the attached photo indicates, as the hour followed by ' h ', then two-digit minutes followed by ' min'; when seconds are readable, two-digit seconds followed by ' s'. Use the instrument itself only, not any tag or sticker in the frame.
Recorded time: 11 h 14 min
